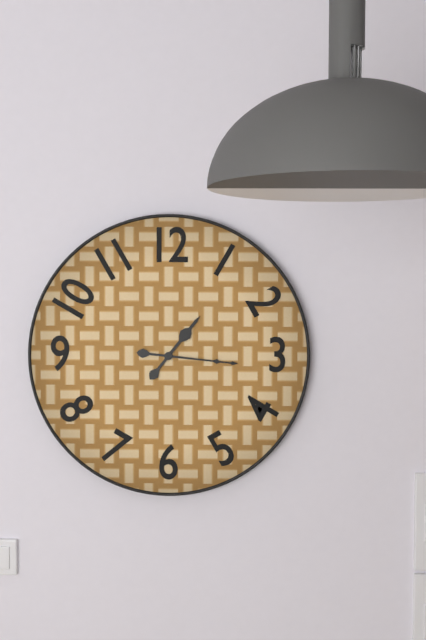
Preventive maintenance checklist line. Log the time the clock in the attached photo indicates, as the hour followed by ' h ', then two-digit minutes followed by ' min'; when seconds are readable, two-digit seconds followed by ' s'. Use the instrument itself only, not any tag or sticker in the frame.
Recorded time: 1 h 16 min
